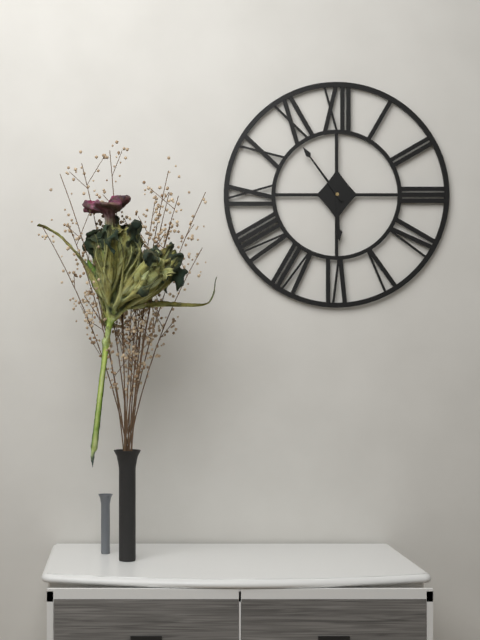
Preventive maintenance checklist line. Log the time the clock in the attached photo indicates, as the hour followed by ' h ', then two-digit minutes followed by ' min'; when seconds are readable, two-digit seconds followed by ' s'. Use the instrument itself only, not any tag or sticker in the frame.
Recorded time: 5 h 54 min
